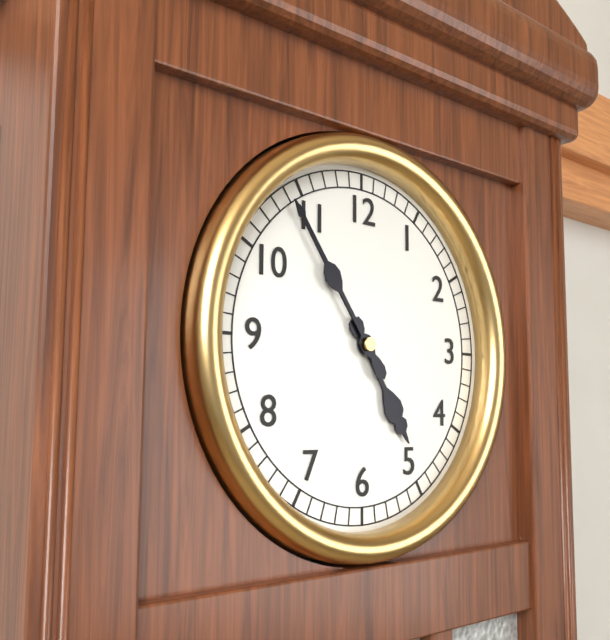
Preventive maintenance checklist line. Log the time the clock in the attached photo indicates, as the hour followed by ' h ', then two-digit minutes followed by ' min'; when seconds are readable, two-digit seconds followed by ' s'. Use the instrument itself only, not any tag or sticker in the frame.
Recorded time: 4 h 54 min
